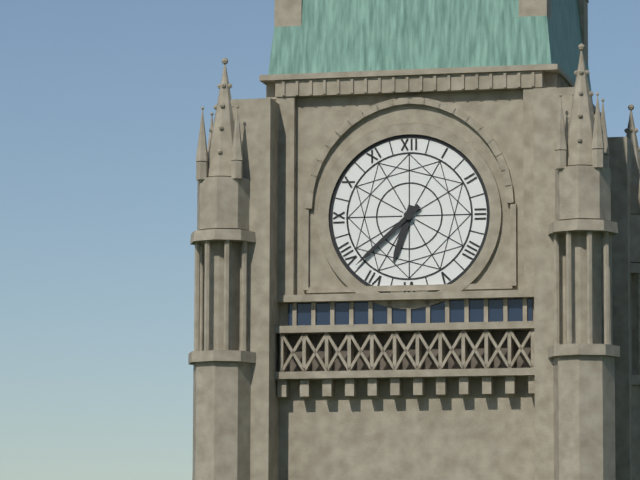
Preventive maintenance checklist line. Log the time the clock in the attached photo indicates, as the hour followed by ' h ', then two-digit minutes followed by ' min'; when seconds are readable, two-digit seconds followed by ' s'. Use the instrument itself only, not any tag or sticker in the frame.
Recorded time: 6 h 38 min
